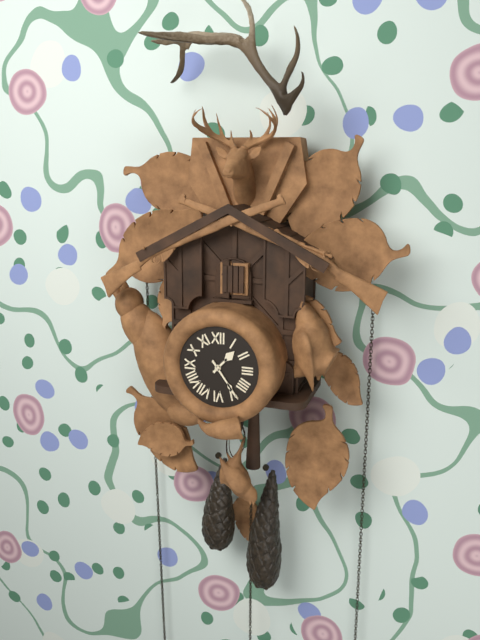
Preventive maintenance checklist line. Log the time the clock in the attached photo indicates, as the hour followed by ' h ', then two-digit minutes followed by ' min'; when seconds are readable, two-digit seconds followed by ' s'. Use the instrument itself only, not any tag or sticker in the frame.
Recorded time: 1 h 24 min
